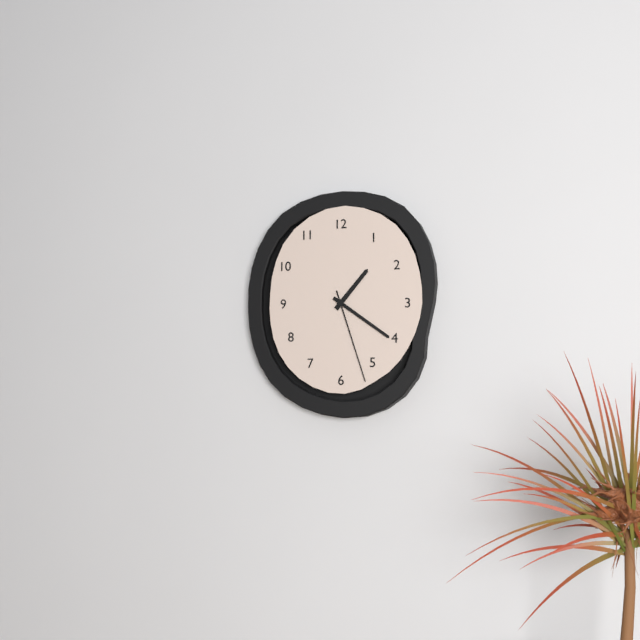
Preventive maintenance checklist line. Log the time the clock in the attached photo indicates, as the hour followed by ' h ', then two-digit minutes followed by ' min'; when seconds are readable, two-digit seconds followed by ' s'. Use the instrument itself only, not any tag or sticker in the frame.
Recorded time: 1 h 21 min 27 s
